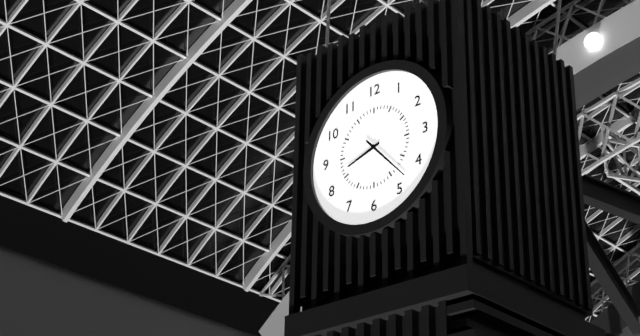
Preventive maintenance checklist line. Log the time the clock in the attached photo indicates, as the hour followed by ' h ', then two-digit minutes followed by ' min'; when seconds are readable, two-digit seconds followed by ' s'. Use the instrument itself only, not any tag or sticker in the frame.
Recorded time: 8 h 23 min
